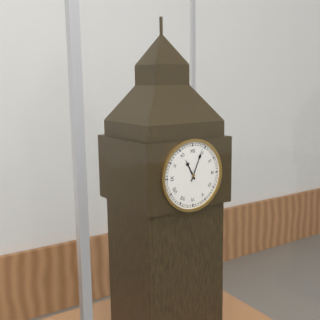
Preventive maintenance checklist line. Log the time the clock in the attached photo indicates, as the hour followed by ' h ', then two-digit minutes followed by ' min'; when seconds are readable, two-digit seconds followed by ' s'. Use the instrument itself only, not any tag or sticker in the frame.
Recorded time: 11 h 04 min
